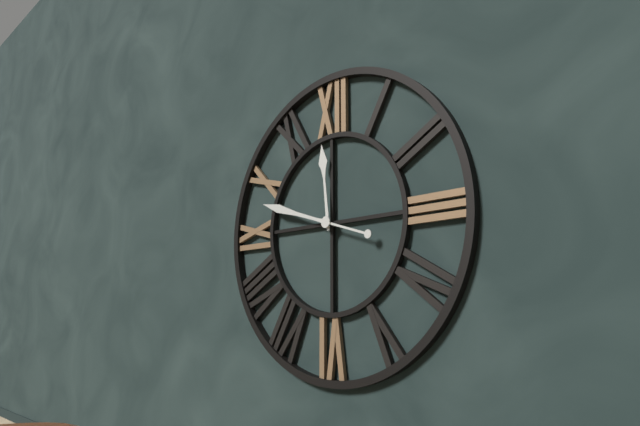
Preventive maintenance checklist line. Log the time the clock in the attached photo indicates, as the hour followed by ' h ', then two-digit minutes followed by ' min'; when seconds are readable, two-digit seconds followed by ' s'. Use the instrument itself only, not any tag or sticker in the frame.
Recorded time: 11 h 48 min
